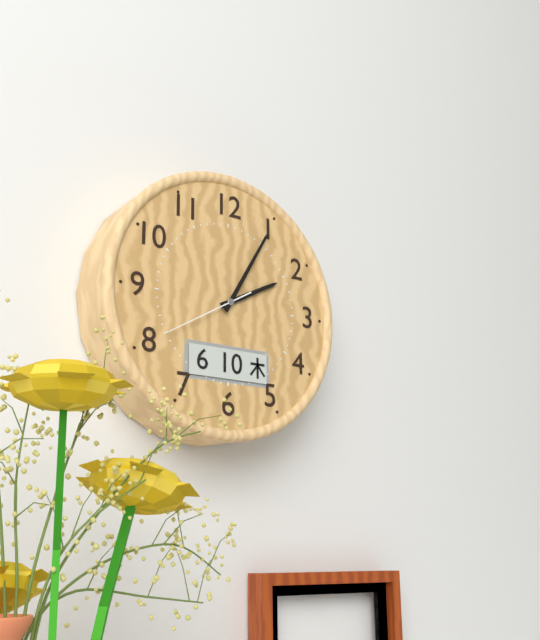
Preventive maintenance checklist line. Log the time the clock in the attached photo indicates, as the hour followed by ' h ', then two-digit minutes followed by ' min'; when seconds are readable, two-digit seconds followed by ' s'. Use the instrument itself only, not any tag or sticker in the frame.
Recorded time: 2 h 05 min 40 s
